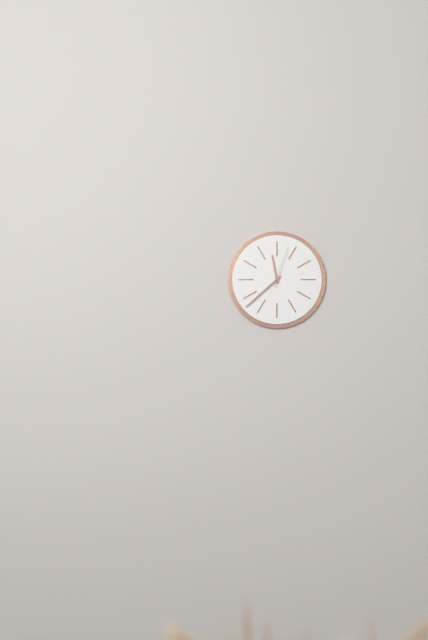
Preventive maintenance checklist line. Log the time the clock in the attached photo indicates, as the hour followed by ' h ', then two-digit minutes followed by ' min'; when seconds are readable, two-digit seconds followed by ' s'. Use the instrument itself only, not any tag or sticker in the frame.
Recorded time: 11 h 38 min
